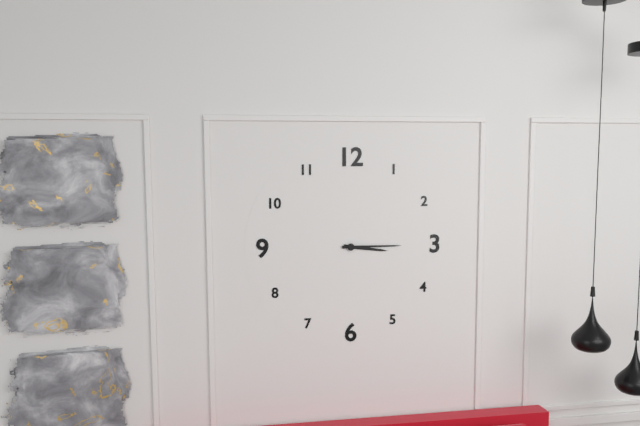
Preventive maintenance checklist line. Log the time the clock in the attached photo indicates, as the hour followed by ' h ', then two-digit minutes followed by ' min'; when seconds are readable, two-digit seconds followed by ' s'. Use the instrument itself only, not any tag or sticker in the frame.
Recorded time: 3 h 15 min
